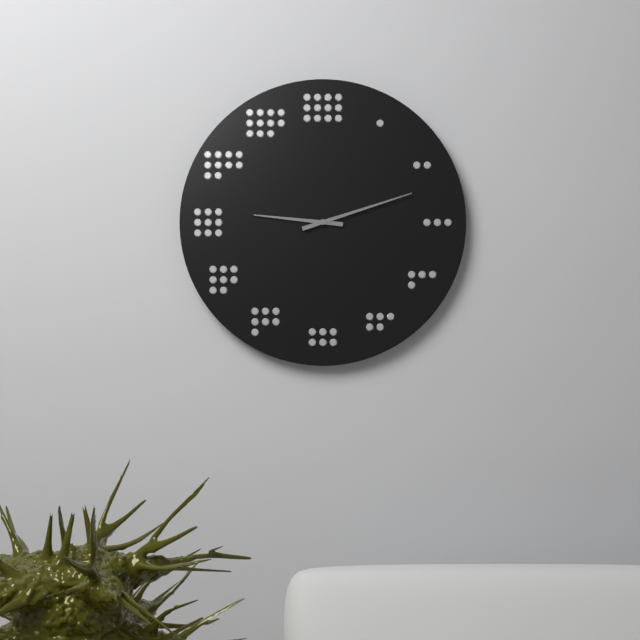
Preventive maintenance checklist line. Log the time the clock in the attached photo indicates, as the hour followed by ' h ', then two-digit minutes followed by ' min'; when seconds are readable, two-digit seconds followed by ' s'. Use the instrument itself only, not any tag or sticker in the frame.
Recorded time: 9 h 12 min
